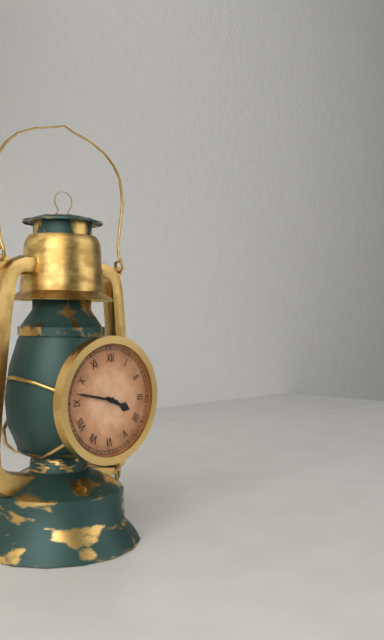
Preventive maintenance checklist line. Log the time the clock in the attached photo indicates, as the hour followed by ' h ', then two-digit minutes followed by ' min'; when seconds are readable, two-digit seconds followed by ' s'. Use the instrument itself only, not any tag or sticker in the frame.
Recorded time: 3 h 47 min
